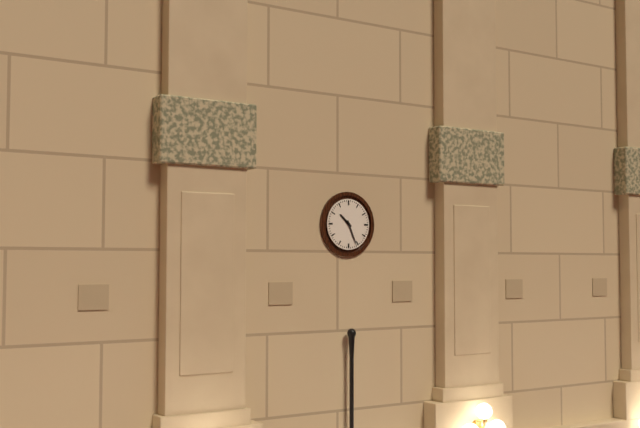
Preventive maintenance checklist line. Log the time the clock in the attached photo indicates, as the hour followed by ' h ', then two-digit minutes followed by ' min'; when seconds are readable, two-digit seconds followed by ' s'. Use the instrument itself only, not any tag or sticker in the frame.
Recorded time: 10 h 26 min
